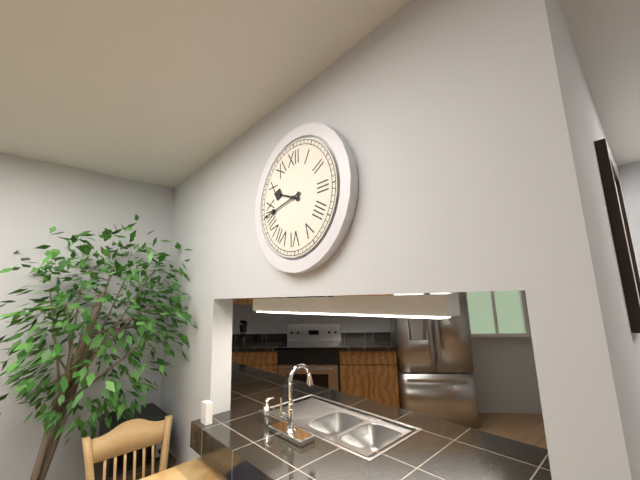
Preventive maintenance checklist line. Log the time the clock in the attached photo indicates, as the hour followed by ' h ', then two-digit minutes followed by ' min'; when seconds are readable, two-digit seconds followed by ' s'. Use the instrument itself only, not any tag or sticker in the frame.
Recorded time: 9 h 43 min
